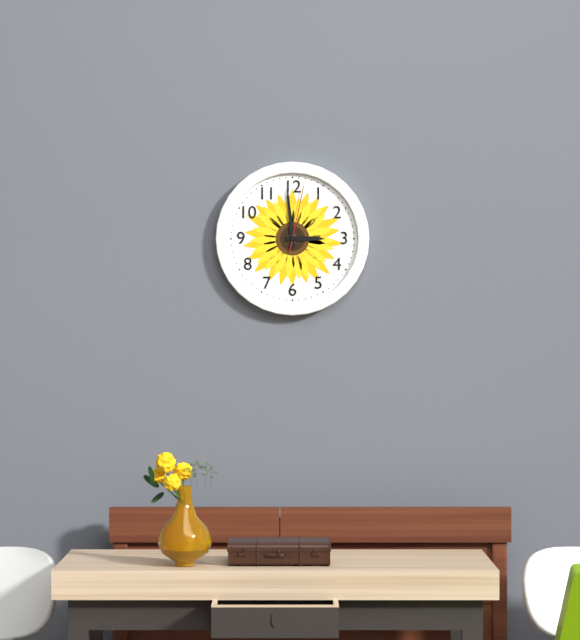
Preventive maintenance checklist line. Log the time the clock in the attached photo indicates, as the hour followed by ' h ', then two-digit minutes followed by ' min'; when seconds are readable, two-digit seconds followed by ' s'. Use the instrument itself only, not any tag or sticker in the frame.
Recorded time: 2 h 59 min 02 s
